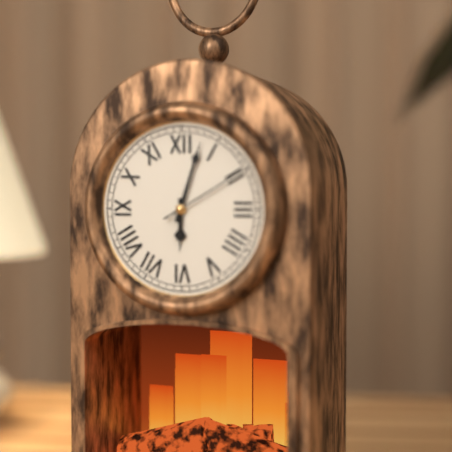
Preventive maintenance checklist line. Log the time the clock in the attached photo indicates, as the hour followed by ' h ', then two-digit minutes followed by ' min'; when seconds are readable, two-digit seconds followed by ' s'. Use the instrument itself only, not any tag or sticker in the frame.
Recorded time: 6 h 03 min 10 s
